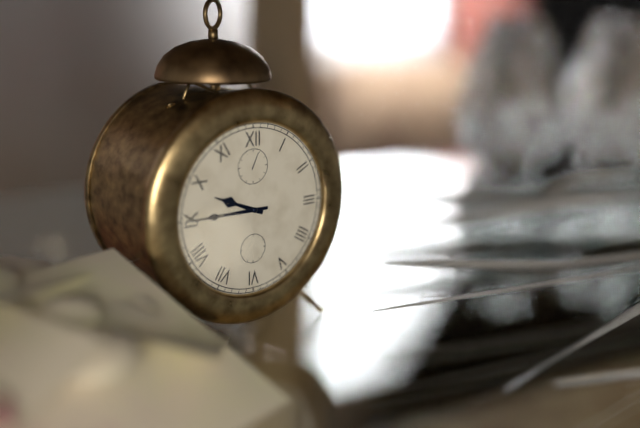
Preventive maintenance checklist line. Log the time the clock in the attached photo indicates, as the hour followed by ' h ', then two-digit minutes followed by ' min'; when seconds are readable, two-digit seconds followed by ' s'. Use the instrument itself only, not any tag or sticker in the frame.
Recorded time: 9 h 45 min
